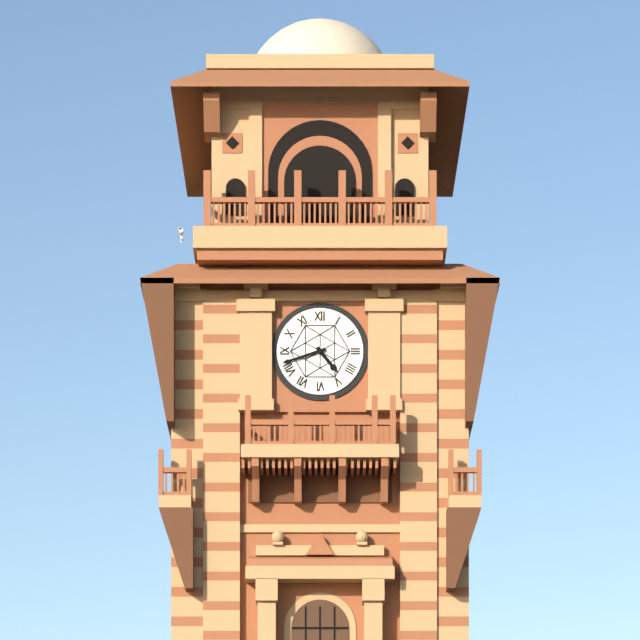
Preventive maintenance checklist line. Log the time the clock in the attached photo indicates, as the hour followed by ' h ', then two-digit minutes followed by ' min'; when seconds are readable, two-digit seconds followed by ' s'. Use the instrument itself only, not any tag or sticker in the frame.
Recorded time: 4 h 42 min
